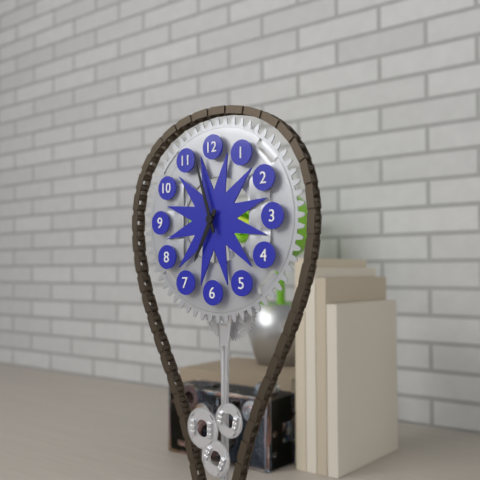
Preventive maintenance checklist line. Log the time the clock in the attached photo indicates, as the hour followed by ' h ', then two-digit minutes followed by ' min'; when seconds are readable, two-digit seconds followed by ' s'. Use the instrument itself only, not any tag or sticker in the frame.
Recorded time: 6 h 57 min
